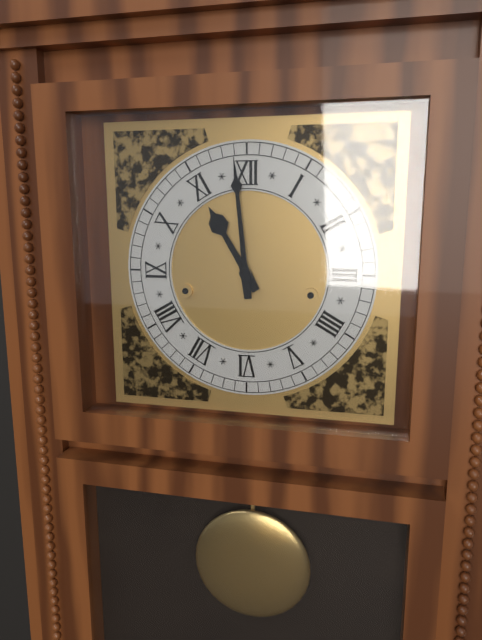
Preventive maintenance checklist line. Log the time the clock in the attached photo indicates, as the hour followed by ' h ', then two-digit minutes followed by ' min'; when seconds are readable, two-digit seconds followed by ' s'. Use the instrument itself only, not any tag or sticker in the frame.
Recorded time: 10 h 59 min
